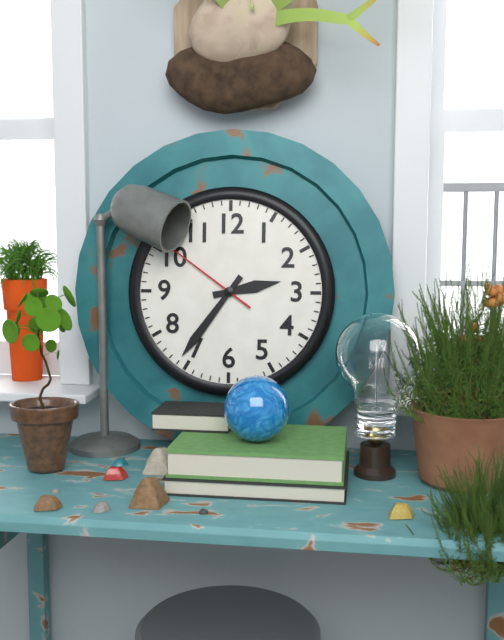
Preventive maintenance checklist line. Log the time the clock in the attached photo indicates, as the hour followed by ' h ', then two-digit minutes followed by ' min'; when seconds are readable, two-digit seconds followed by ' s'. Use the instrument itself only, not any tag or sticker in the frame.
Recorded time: 2 h 36 min 51 s
